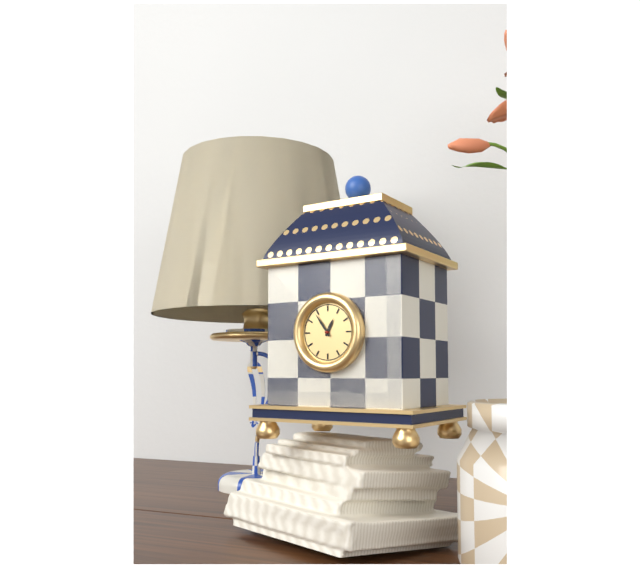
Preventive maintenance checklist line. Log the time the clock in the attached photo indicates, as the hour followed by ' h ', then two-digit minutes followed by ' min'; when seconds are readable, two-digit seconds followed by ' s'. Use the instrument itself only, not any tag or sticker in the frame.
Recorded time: 12 h 54 min
